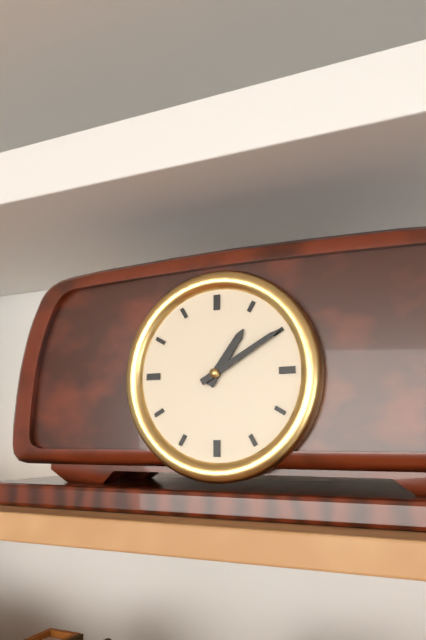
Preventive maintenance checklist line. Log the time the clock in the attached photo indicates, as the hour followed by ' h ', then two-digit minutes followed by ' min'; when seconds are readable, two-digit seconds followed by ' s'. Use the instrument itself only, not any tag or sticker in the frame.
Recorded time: 1 h 10 min
